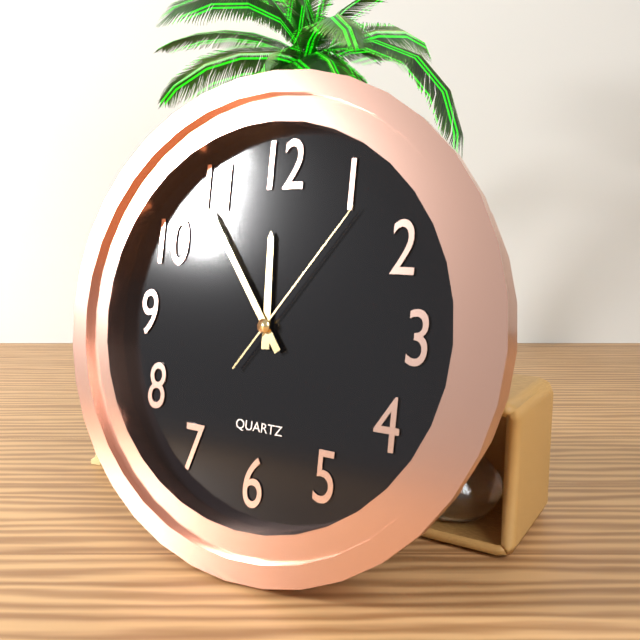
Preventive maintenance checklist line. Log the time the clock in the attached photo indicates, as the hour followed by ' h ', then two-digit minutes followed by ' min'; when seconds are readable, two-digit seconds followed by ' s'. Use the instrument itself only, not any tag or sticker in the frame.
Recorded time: 11 h 54 min 06 s
